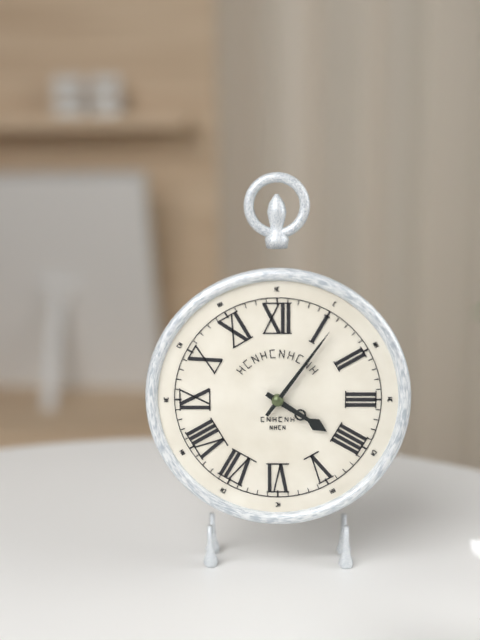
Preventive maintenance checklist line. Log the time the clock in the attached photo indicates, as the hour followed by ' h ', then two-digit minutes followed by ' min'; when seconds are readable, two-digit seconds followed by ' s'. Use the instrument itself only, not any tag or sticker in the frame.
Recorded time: 4 h 06 min
